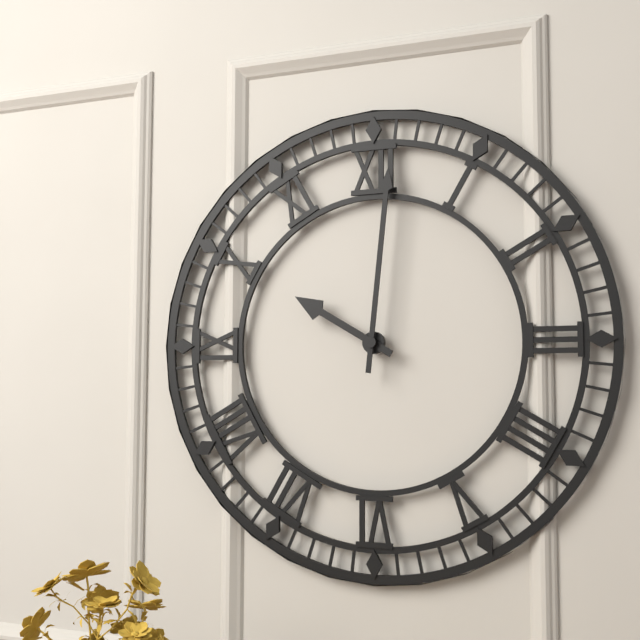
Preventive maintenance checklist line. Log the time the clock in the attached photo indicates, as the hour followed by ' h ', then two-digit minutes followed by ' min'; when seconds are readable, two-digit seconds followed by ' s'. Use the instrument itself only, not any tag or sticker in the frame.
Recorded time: 10 h 01 min
